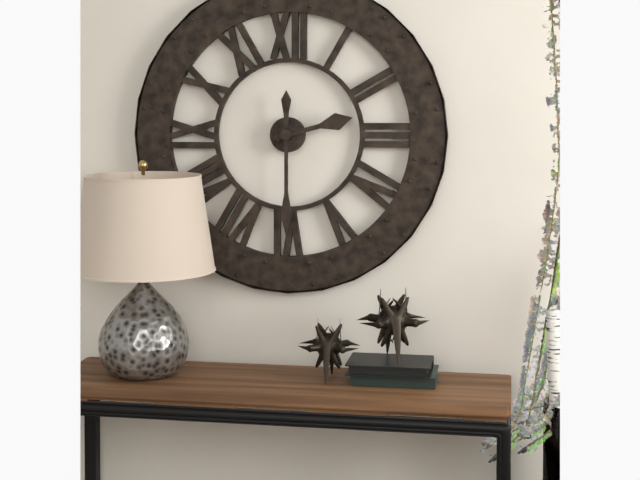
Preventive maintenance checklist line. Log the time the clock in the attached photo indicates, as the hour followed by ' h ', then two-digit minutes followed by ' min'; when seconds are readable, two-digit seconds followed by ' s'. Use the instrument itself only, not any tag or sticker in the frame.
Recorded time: 2 h 30 min
